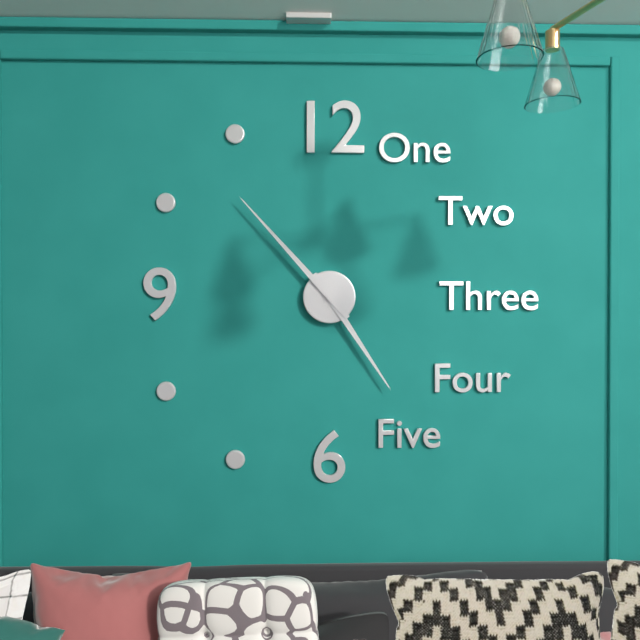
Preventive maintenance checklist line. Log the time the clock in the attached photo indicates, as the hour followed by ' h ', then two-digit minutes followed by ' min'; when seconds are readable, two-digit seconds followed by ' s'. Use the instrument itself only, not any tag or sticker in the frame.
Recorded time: 4 h 53 min
